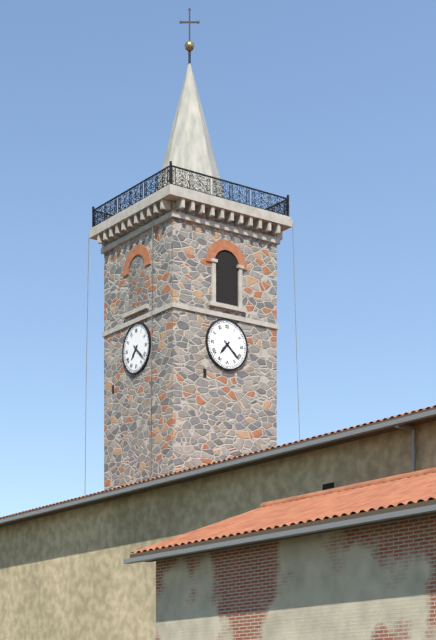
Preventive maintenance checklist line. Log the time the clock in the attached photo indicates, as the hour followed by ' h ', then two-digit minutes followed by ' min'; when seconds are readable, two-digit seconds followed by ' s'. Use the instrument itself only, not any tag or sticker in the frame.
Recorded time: 7 h 22 min
